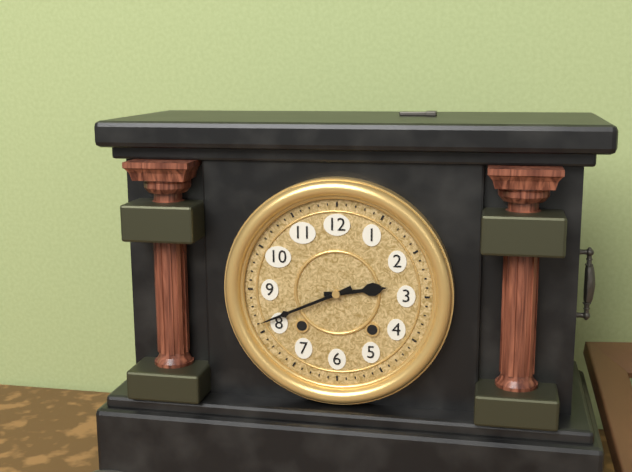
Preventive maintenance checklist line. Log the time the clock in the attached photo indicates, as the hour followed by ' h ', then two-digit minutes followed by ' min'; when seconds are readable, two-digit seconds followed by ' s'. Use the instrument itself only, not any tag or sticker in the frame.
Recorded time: 2 h 41 min
